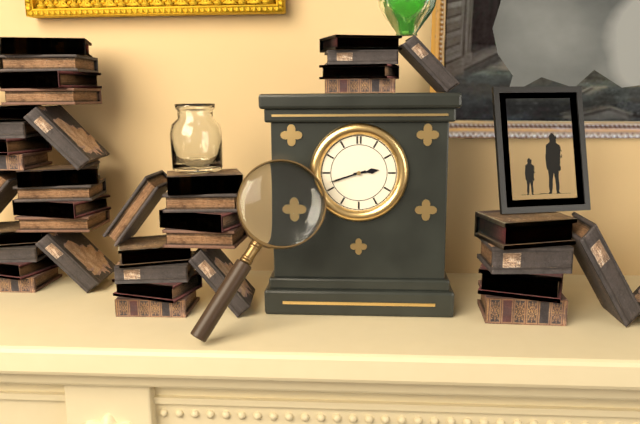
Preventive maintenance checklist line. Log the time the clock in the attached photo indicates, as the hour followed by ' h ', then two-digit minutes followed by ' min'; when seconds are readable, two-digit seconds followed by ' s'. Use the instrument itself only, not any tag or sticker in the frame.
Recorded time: 2 h 42 min
